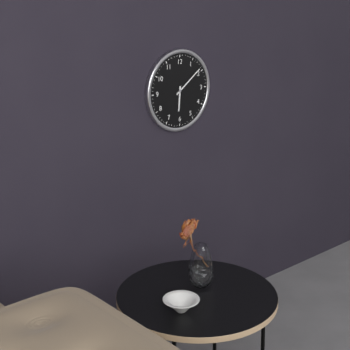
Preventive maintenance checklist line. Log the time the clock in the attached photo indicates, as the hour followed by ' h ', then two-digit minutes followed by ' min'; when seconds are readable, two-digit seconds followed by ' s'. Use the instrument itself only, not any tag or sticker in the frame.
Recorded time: 6 h 09 min
